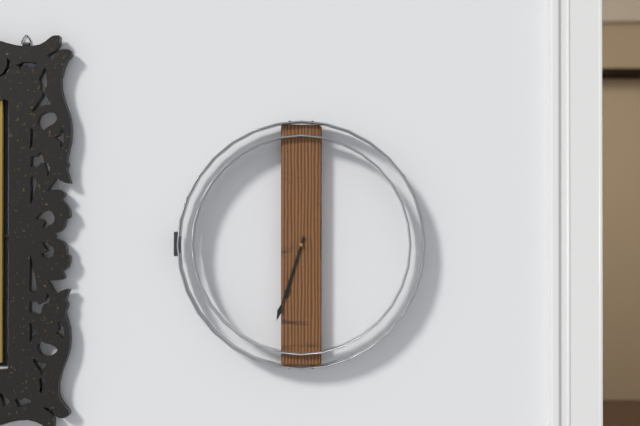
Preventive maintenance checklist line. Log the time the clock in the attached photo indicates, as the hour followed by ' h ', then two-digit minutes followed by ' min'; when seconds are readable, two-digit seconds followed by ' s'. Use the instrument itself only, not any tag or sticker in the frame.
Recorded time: 6 h 33 min
